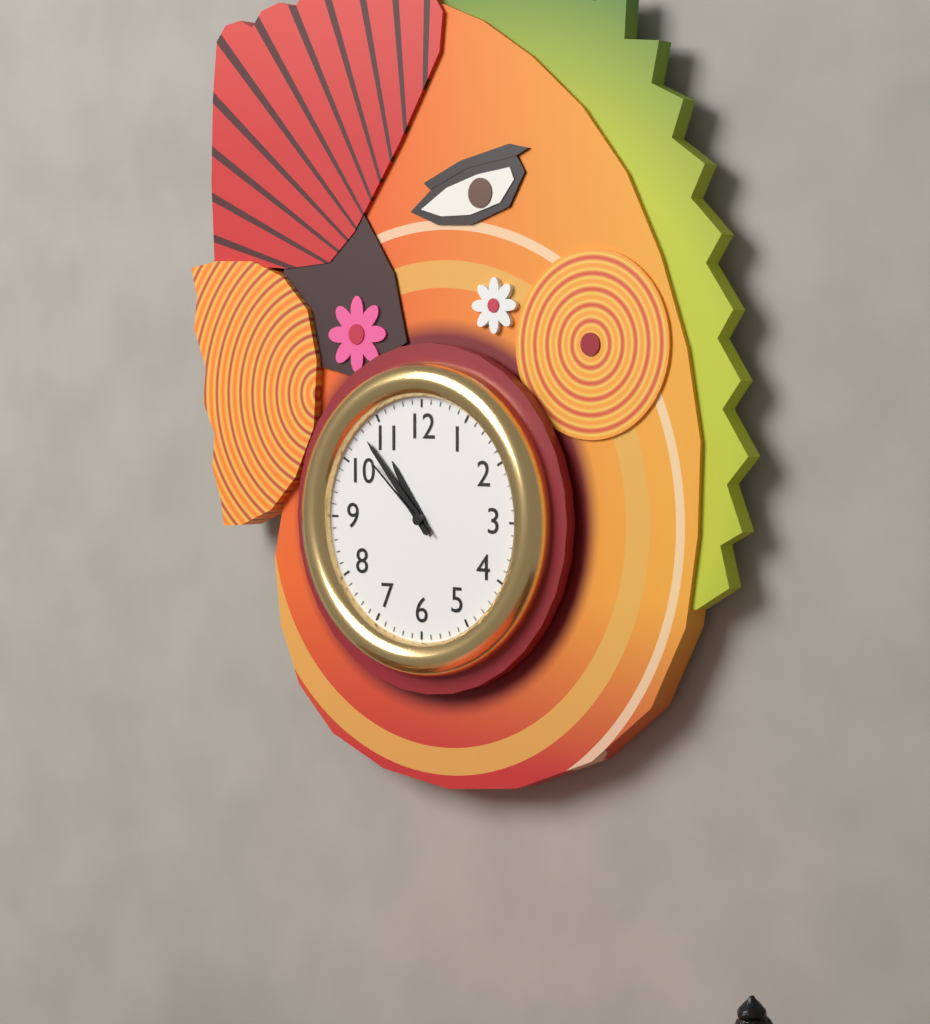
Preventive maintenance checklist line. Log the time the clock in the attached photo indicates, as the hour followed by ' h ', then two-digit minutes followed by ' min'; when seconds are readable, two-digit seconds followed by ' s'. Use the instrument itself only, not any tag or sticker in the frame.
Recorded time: 10 h 53 min 52 s
